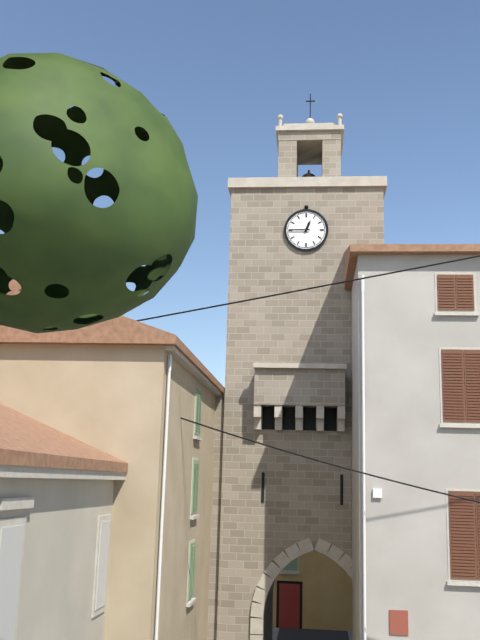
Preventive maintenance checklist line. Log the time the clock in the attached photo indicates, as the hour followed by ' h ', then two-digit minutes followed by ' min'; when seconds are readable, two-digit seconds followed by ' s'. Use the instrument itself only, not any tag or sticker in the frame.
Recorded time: 12 h 45 min
